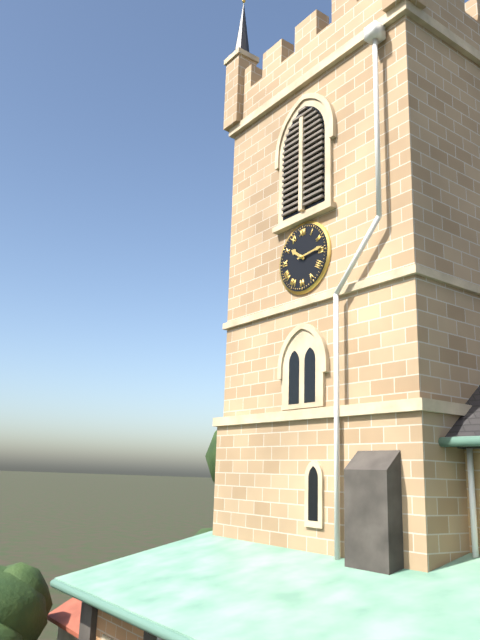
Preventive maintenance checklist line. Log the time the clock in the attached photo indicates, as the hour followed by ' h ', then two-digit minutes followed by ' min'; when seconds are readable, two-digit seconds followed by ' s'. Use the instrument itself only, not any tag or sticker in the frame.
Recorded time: 10 h 14 min
